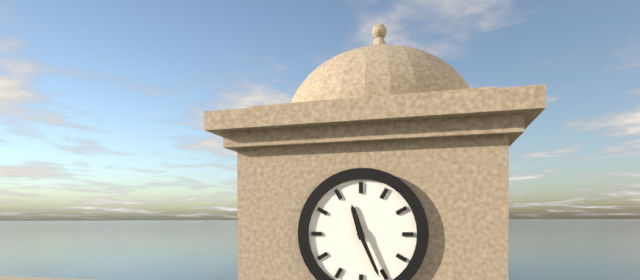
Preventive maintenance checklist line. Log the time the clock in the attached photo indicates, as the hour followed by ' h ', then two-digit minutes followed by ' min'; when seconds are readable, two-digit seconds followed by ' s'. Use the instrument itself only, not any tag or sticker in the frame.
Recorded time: 11 h 26 min
